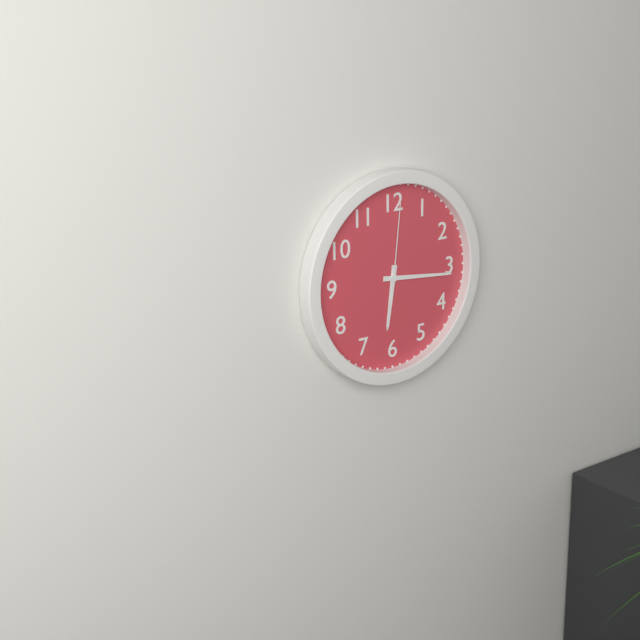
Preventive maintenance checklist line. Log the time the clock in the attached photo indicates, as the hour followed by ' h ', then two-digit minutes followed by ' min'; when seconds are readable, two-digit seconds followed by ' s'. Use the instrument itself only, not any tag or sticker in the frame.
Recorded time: 6 h 16 min 01 s
